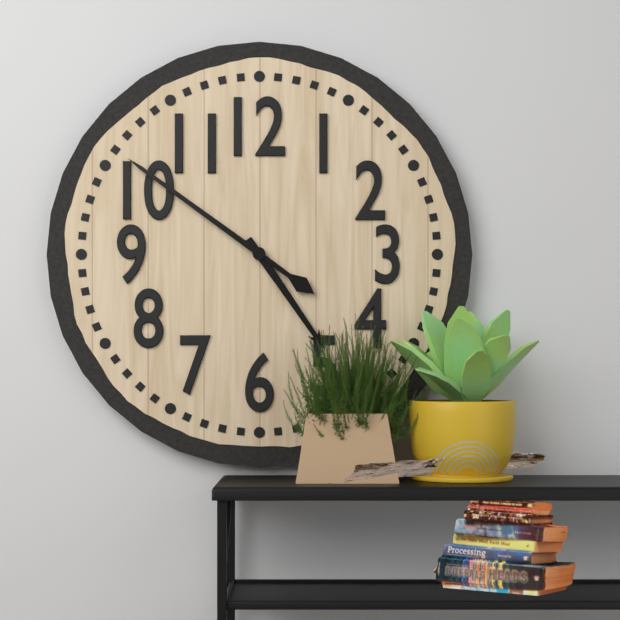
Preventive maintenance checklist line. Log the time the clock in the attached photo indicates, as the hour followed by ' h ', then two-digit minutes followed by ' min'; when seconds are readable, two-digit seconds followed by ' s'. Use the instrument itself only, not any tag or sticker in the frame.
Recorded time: 4 h 51 min
